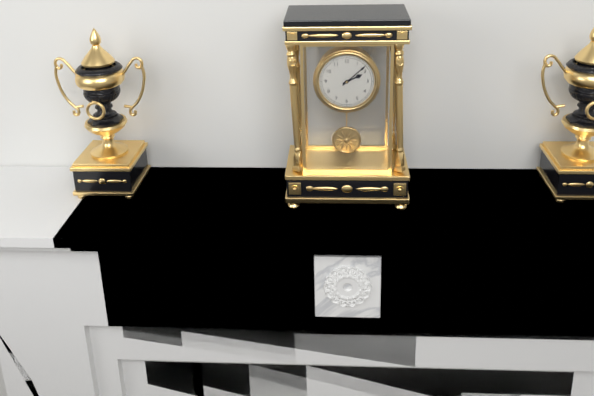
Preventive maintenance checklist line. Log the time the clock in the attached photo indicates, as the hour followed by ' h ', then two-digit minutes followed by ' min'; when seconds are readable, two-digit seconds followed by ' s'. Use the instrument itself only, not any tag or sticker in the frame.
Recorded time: 2 h 08 min
